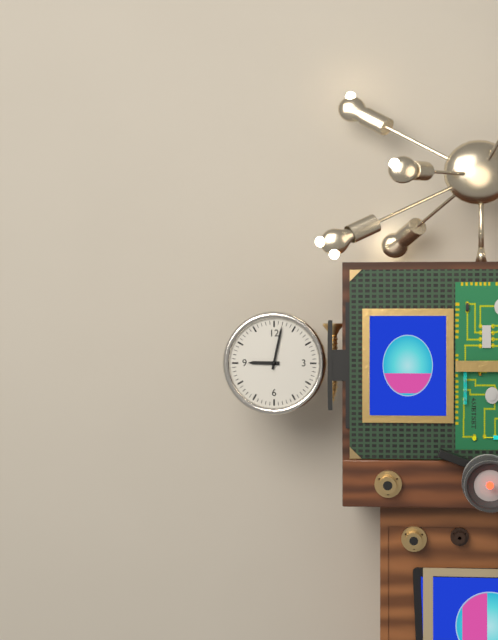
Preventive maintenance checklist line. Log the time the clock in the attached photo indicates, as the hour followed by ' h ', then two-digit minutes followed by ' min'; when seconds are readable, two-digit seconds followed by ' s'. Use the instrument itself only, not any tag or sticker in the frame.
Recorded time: 9 h 02 min
